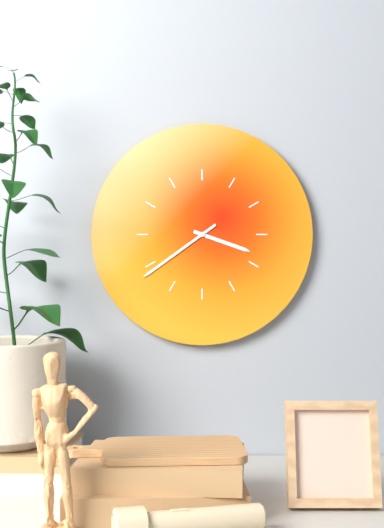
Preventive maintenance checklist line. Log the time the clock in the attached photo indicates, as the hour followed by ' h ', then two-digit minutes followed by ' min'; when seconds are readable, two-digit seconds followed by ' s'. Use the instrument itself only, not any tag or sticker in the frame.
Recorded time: 3 h 39 min
